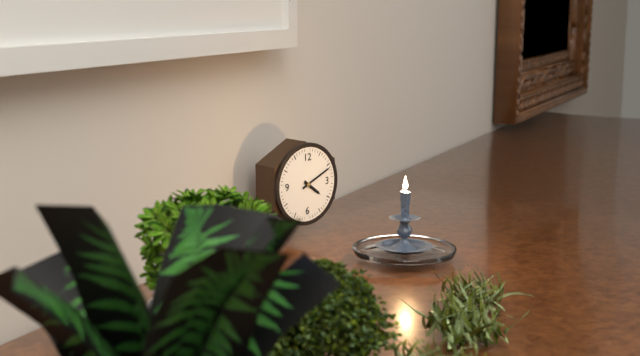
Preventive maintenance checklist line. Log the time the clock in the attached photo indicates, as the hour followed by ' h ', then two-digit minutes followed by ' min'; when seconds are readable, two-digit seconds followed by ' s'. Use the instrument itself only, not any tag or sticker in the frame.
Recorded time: 4 h 11 min
